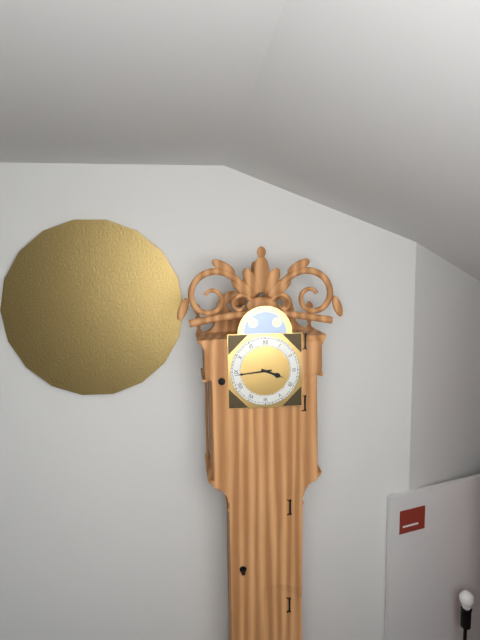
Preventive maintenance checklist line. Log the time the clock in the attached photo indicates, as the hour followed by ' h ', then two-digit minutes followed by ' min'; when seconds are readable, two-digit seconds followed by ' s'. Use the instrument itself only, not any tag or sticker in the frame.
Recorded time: 3 h 44 min
